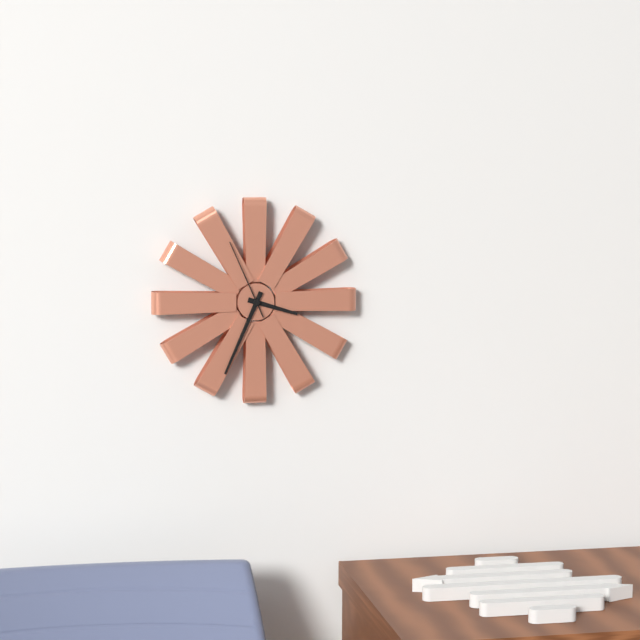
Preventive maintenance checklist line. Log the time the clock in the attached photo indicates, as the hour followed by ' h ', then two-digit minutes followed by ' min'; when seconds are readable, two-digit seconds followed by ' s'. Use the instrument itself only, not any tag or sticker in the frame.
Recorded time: 3 h 34 min 56 s
